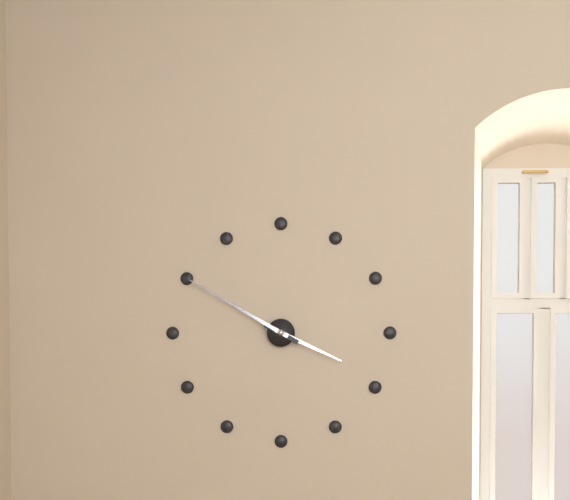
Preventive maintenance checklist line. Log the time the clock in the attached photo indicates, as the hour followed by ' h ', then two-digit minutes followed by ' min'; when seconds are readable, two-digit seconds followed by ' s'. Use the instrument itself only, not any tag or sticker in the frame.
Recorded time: 3 h 50 min
